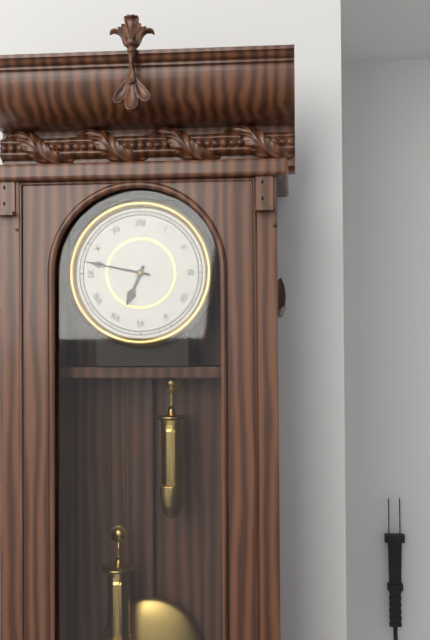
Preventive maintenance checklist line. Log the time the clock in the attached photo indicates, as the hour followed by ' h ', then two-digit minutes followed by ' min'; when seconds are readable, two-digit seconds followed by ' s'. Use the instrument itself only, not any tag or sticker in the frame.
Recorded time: 6 h 47 min
